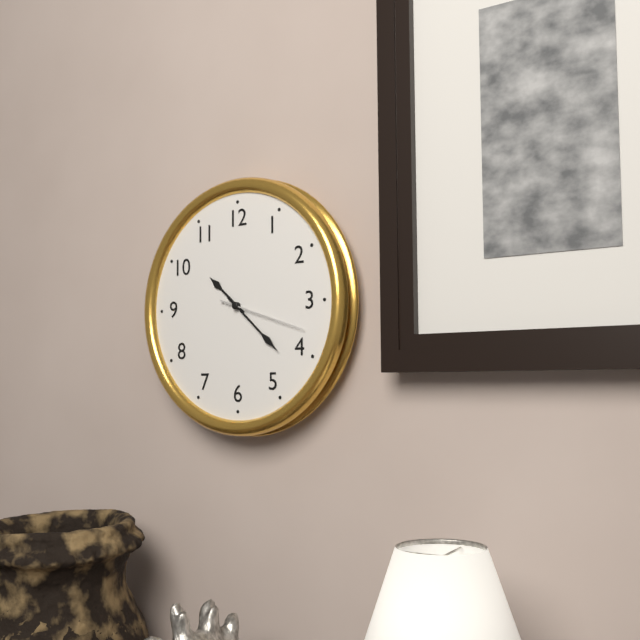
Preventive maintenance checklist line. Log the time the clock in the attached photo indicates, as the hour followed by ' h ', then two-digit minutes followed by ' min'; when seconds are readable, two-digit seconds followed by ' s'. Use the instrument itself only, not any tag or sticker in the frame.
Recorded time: 10 h 22 min 18 s
